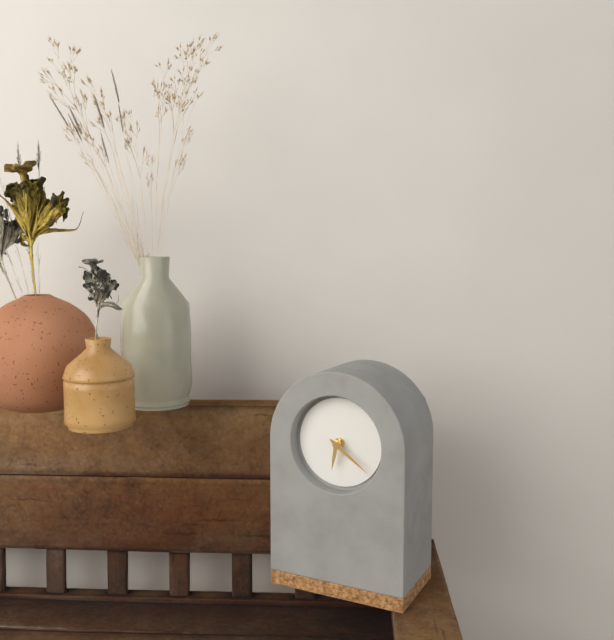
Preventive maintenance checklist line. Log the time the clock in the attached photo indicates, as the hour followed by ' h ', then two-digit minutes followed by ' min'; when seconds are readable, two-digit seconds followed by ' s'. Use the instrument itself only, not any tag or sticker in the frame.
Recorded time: 6 h 21 min
